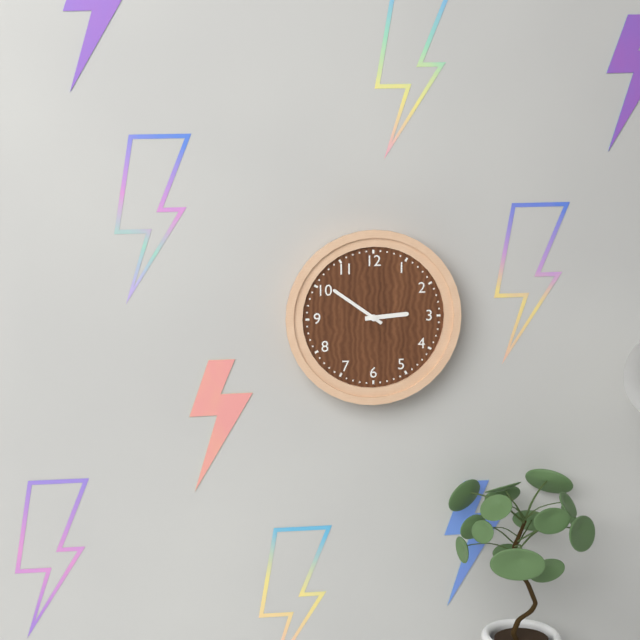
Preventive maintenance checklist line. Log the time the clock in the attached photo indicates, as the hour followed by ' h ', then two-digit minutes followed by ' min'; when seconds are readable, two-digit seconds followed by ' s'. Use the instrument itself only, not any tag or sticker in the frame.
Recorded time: 2 h 51 min
